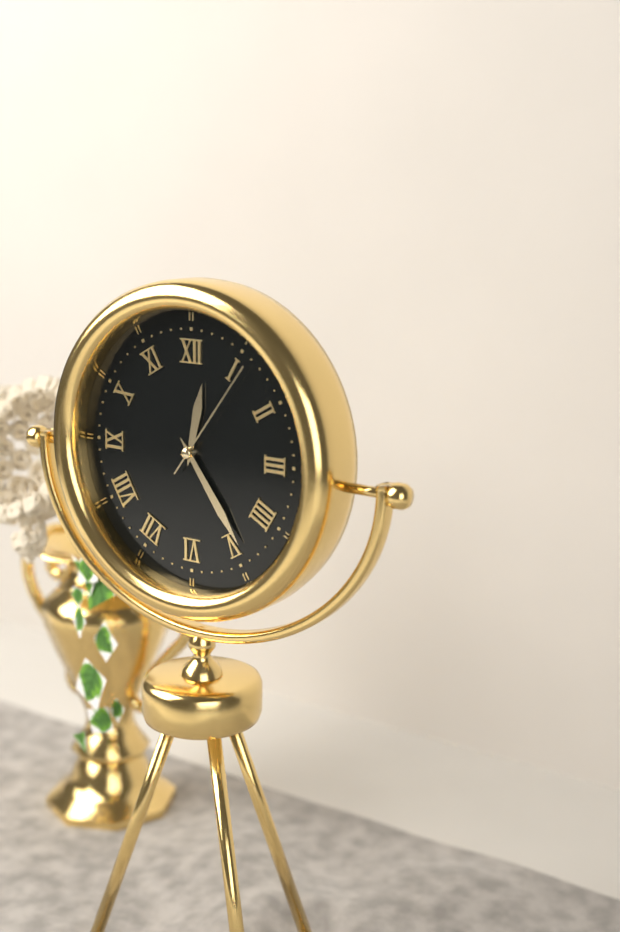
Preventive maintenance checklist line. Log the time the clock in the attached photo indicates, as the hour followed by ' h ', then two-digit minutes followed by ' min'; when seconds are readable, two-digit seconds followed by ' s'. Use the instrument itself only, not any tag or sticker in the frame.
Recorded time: 12 h 24 min 06 s
